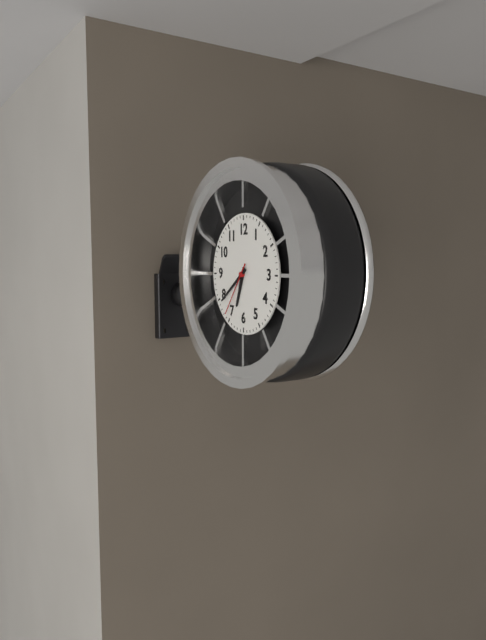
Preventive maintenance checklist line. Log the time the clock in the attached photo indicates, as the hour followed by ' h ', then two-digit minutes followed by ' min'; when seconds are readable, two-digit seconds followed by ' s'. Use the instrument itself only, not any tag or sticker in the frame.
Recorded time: 6 h 39 min 36 s
